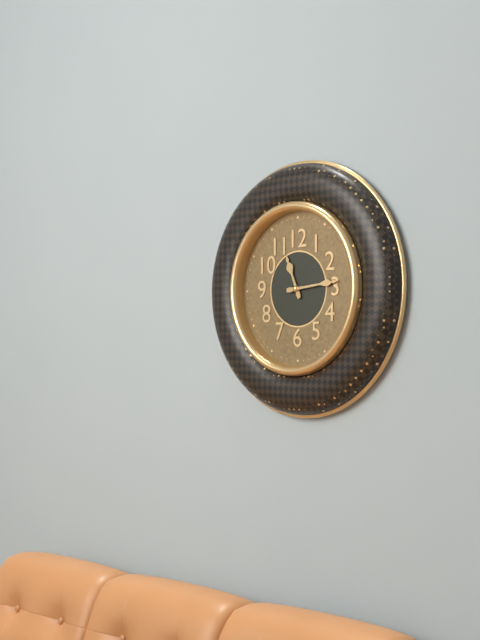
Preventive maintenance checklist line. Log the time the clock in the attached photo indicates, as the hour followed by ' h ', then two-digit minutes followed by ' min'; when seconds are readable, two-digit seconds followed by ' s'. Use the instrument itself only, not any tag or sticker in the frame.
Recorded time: 11 h 14 min
